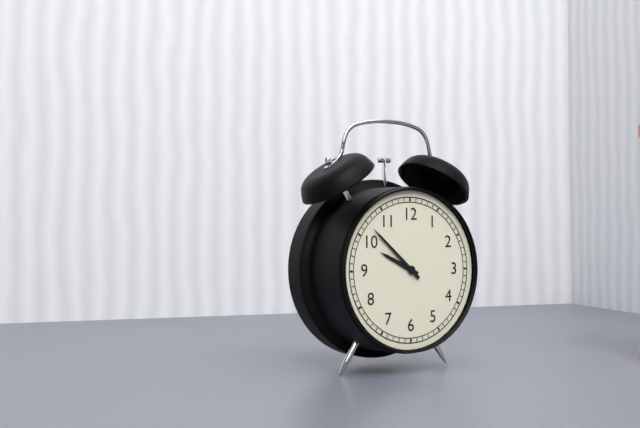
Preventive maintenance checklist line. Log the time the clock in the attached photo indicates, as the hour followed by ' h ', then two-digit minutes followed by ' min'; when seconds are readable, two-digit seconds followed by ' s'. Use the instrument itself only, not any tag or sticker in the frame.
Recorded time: 9 h 52 min
